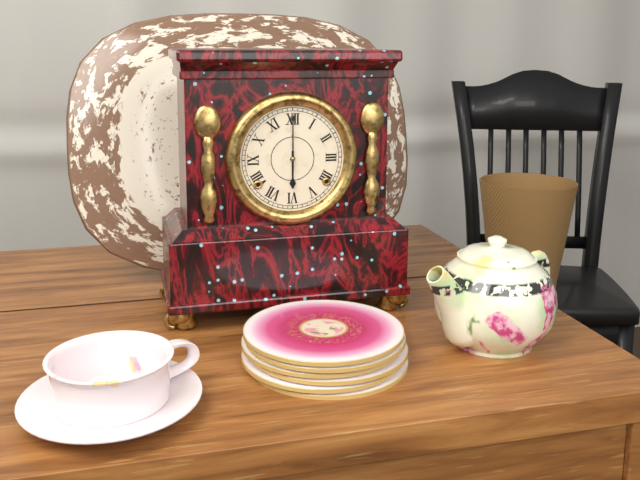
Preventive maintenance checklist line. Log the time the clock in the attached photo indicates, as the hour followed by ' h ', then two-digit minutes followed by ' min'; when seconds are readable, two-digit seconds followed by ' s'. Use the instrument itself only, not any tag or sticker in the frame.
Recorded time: 6 h 00 min
